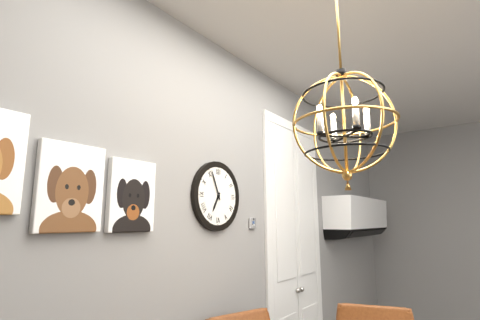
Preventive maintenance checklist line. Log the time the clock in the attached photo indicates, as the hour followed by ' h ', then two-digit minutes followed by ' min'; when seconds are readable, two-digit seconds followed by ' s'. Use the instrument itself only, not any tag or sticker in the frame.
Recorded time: 6 h 56 min
